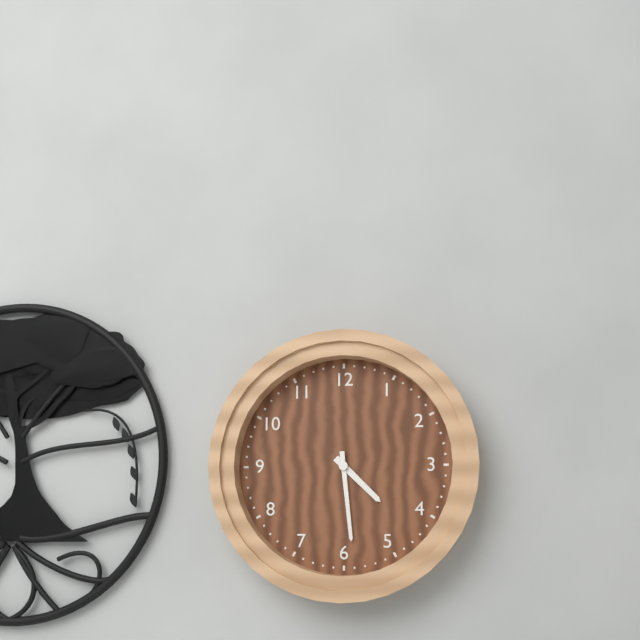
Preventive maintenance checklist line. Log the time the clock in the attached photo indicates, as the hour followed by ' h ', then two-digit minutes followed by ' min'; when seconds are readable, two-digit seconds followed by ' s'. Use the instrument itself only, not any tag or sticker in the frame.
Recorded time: 4 h 29 min
